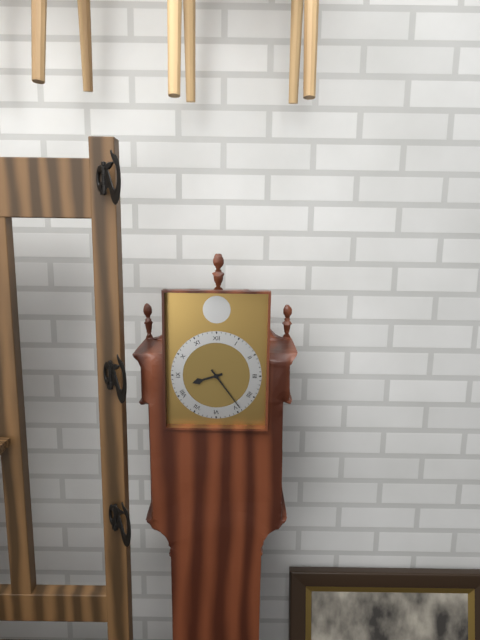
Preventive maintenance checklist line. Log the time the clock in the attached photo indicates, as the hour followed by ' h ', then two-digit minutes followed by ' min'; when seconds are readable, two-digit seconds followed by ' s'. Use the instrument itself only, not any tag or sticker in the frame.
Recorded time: 8 h 24 min
